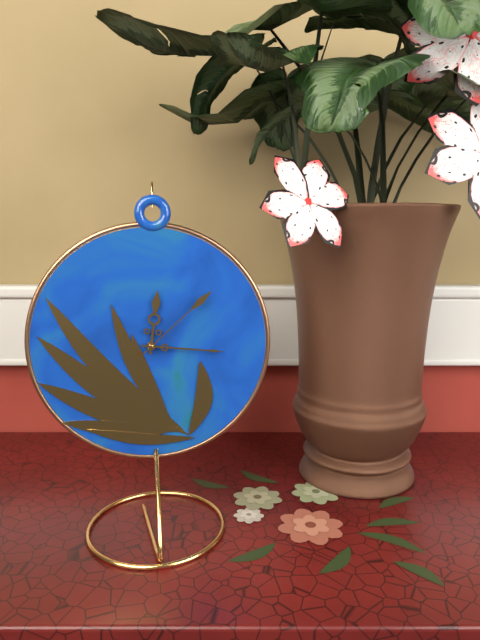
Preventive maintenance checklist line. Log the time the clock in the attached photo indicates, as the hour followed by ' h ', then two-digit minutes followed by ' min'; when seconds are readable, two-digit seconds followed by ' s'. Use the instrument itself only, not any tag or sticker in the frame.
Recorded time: 12 h 16 min 08 s
